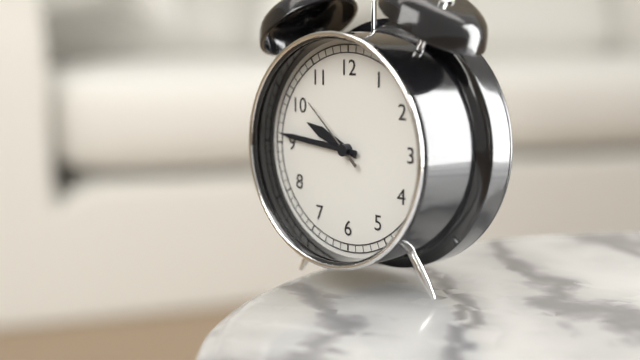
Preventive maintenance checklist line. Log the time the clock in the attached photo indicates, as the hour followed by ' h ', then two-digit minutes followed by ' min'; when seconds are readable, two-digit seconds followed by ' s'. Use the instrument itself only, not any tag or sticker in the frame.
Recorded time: 9 h 46 min 52 s
